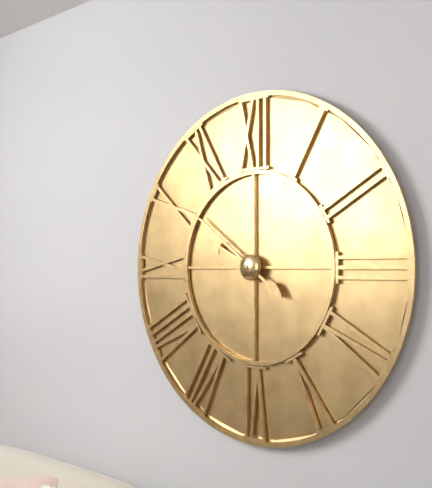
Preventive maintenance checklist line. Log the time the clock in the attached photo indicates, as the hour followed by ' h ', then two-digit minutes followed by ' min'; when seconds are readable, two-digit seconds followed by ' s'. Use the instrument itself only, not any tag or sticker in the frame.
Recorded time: 9 h 51 min
